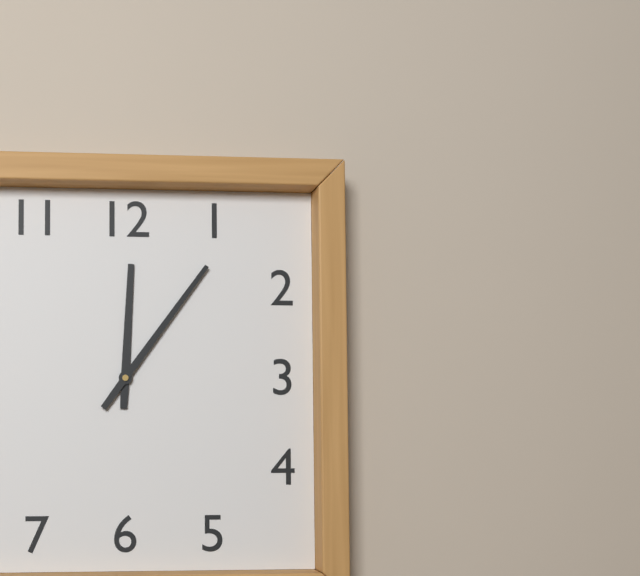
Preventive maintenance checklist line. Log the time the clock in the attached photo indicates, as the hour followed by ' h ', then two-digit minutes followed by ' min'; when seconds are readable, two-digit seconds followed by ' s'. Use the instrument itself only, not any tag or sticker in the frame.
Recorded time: 12 h 06 min
